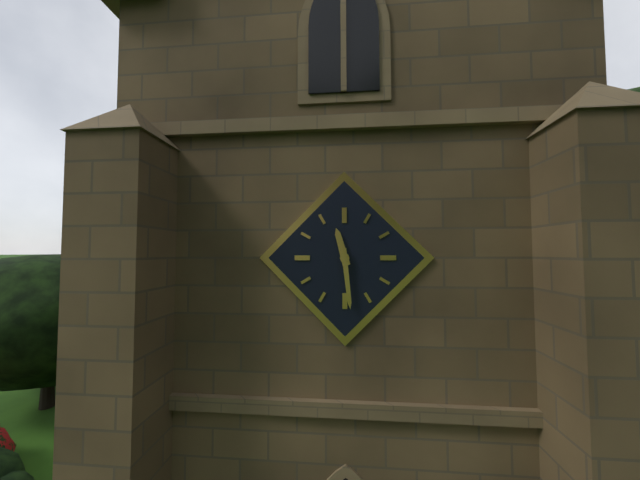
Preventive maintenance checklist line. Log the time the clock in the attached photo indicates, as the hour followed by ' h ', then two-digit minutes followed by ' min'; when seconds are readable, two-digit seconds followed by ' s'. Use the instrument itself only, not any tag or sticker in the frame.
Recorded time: 11 h 29 min
